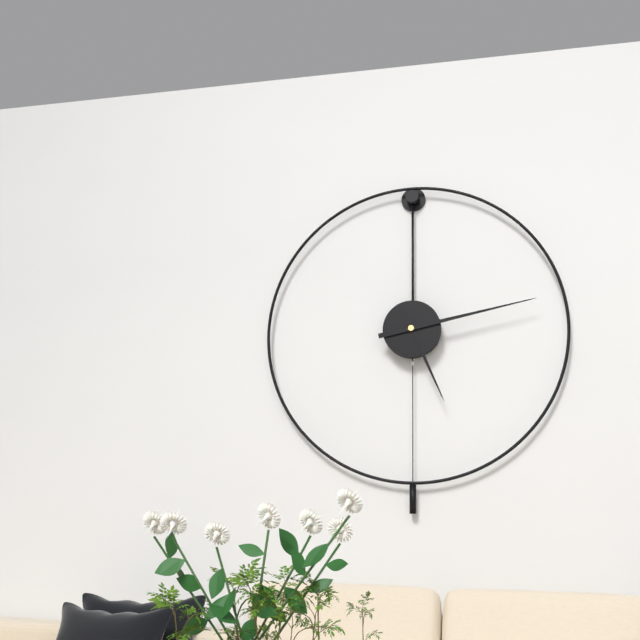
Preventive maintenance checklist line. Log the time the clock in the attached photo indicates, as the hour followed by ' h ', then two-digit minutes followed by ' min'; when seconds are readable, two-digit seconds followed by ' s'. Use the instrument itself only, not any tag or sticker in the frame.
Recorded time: 5 h 13 min
